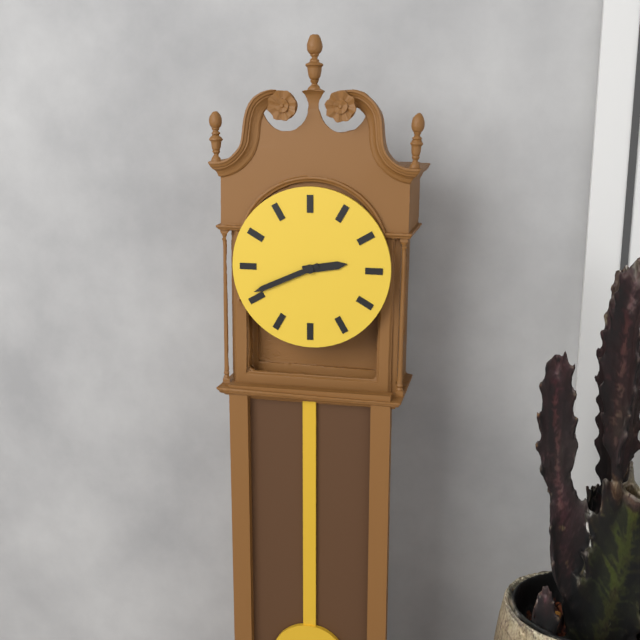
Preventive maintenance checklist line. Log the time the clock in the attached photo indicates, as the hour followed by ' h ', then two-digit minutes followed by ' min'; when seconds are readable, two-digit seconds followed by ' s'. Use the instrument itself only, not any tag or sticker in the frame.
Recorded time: 2 h 41 min
